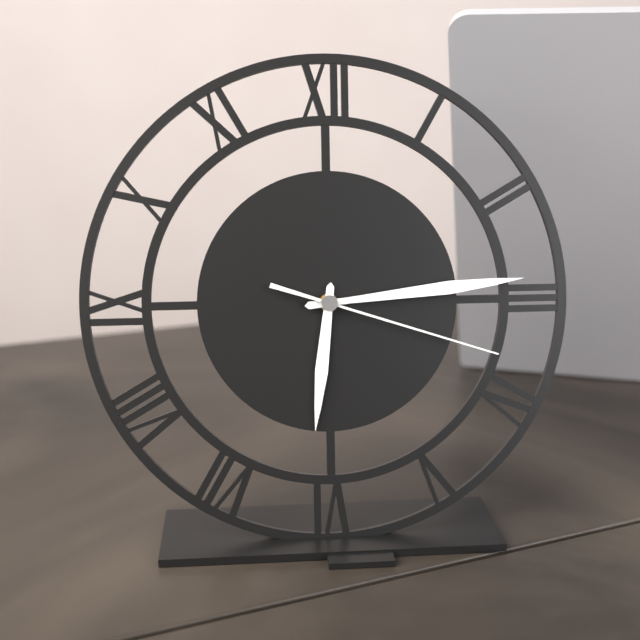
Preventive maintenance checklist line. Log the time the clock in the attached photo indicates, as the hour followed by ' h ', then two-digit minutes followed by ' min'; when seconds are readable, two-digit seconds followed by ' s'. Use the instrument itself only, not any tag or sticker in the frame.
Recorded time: 6 h 14 min 18 s
